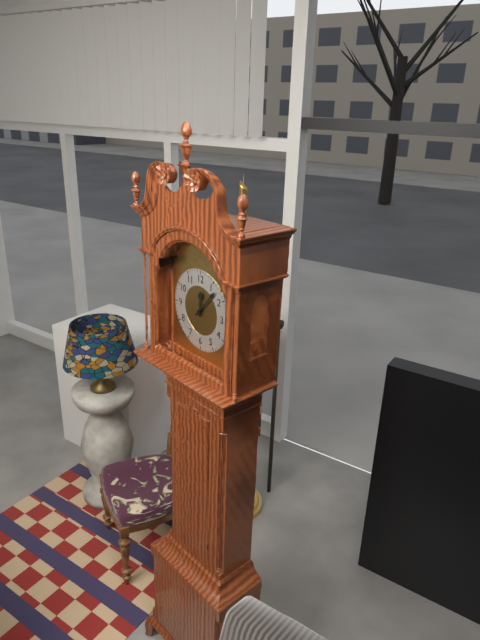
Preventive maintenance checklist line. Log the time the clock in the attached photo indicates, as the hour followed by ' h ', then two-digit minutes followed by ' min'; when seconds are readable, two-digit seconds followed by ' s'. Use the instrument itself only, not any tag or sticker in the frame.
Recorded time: 12 h 07 min
